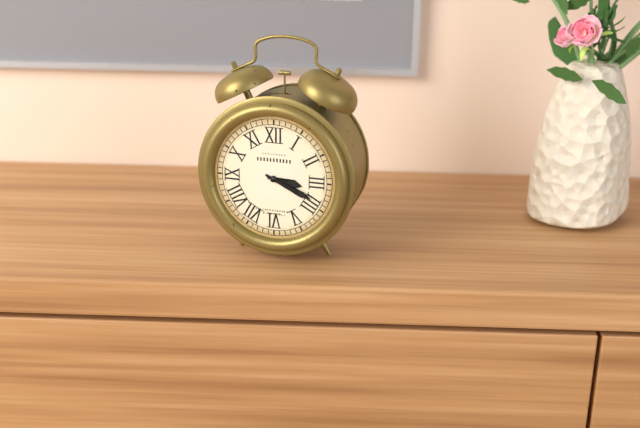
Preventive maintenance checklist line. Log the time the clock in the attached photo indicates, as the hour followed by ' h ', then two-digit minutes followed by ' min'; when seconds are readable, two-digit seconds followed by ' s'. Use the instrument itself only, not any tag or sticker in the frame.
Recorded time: 3 h 19 min
